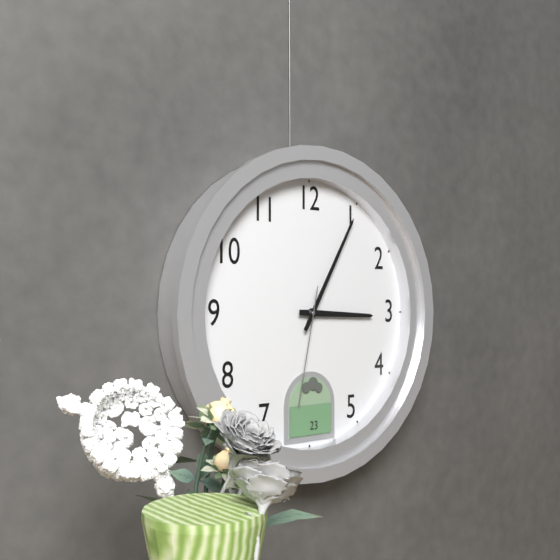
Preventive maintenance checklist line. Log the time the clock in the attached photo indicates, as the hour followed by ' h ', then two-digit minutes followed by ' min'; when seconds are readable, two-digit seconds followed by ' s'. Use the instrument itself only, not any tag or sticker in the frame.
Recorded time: 3 h 05 min 32 s
